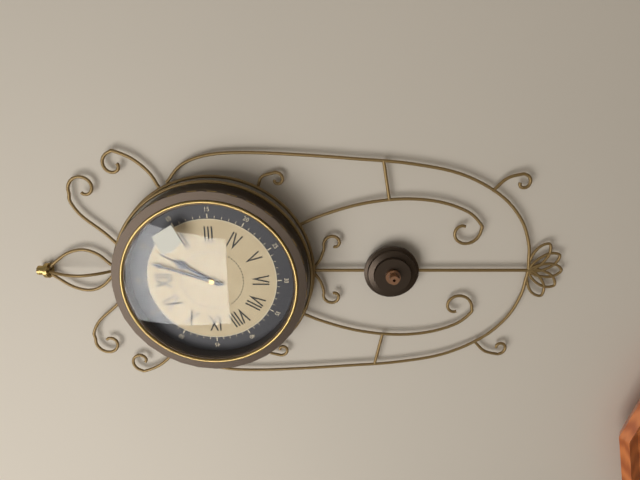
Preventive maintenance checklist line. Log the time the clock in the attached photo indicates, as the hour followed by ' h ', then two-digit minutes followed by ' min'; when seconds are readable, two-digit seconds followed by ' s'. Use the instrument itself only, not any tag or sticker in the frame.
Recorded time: 1 h 03 min
